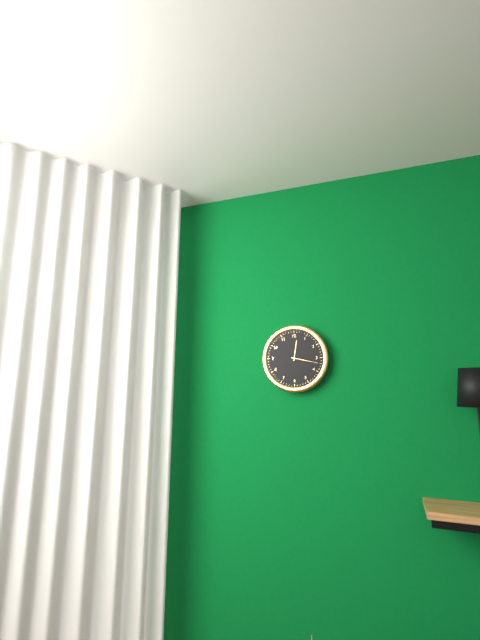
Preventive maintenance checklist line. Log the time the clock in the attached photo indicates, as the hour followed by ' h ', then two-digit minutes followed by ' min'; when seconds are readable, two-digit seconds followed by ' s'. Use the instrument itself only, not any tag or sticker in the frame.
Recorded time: 12 h 17 min
